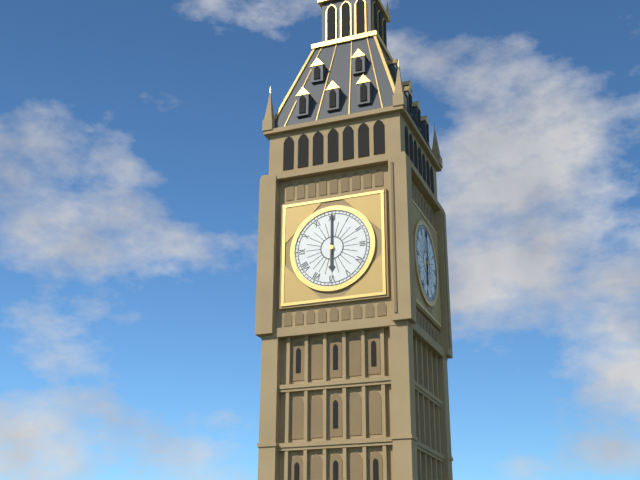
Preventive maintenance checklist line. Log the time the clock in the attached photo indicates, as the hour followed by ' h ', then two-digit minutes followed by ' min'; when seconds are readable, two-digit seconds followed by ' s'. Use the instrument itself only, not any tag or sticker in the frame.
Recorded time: 6 h 00 min
